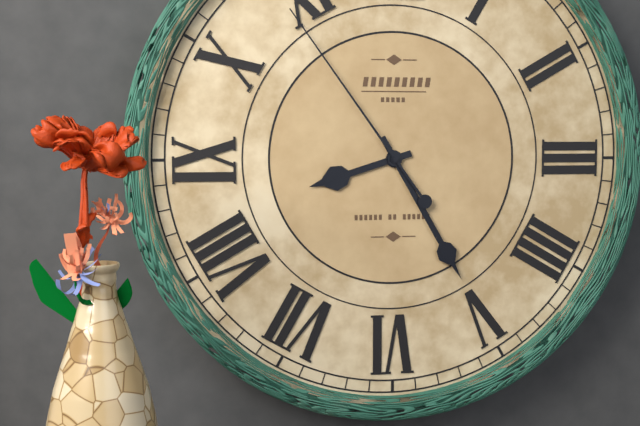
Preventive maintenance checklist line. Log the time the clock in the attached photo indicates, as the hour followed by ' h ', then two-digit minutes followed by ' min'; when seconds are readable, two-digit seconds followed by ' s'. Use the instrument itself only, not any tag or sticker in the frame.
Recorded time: 8 h 25 min 54 s
